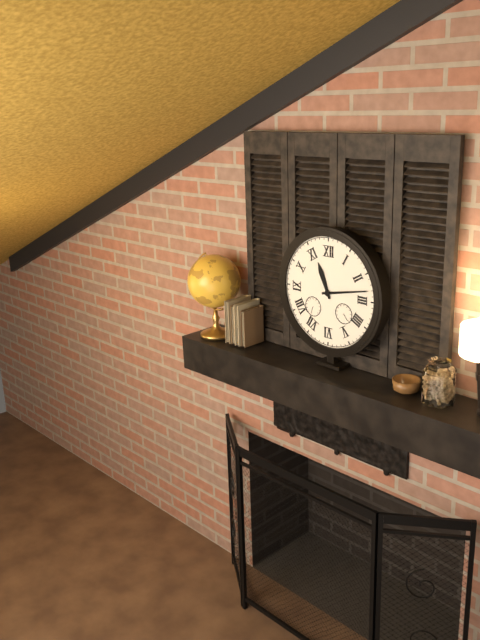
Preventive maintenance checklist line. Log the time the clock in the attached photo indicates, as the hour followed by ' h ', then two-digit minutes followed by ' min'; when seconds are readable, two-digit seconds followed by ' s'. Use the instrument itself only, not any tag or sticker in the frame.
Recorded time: 11 h 13 min
